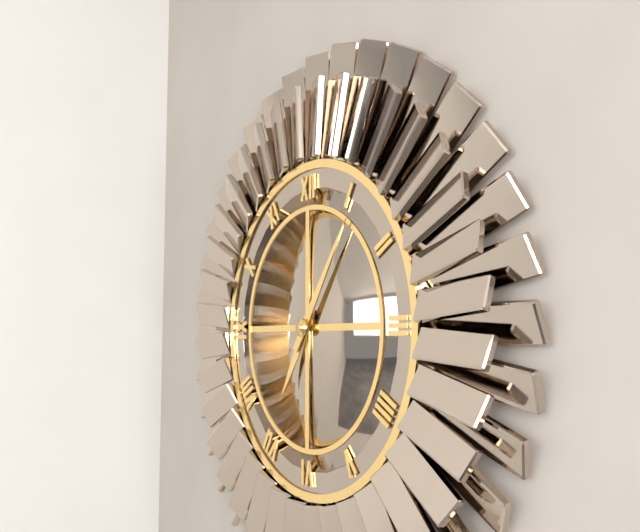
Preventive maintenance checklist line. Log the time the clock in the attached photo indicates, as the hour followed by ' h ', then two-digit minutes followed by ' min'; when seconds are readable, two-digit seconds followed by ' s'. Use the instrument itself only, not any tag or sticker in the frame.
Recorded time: 7 h 06 min
